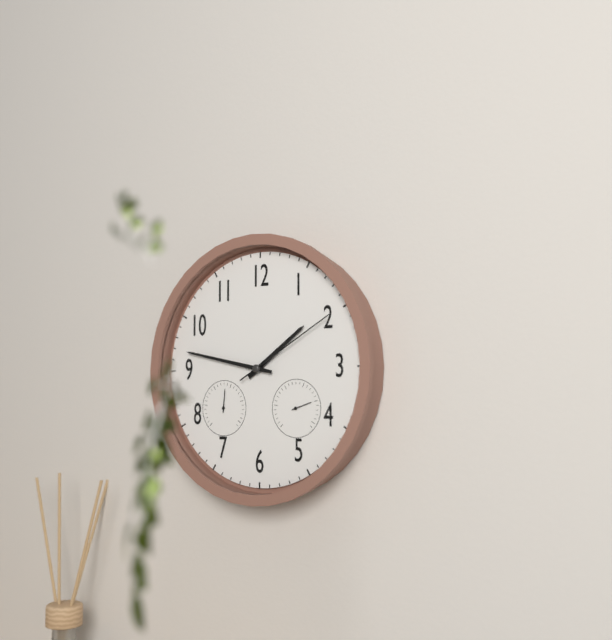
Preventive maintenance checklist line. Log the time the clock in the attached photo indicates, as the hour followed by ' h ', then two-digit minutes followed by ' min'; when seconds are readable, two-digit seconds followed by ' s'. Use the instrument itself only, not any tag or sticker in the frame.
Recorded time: 1 h 47 min 10 s
